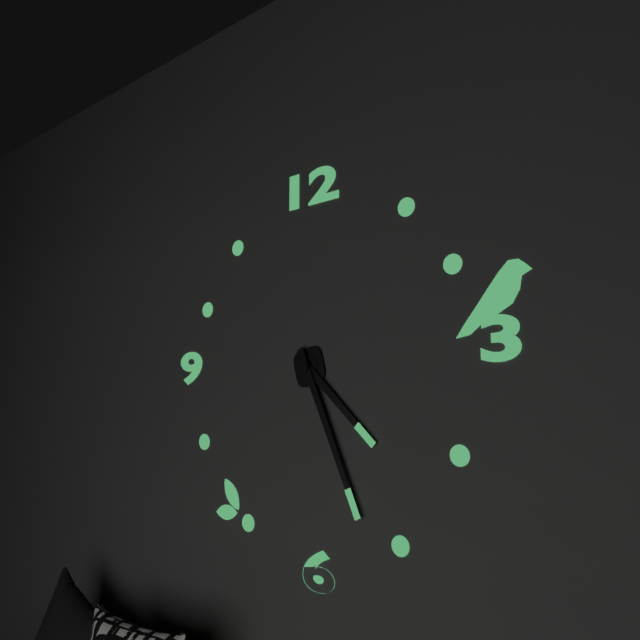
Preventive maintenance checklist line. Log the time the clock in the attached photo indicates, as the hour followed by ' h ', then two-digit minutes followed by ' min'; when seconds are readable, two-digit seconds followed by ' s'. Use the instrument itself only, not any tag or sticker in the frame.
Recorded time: 4 h 26 min
